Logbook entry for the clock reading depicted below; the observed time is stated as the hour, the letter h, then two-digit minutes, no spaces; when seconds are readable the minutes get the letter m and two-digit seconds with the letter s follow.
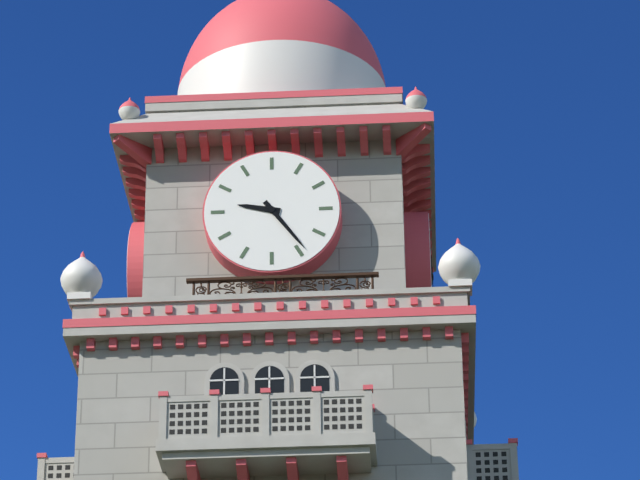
9h24
